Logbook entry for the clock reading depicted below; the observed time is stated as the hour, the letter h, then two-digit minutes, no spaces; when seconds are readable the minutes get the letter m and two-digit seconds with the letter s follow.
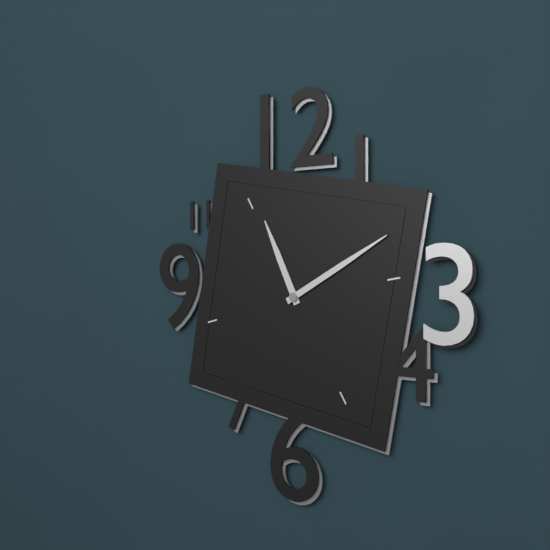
11h10
